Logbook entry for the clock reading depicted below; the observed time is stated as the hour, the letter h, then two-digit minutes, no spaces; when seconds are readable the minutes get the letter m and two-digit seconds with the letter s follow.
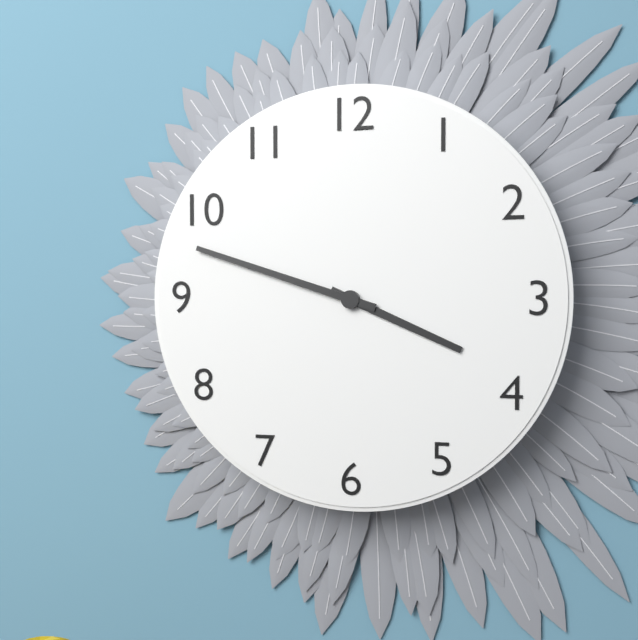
3h48
